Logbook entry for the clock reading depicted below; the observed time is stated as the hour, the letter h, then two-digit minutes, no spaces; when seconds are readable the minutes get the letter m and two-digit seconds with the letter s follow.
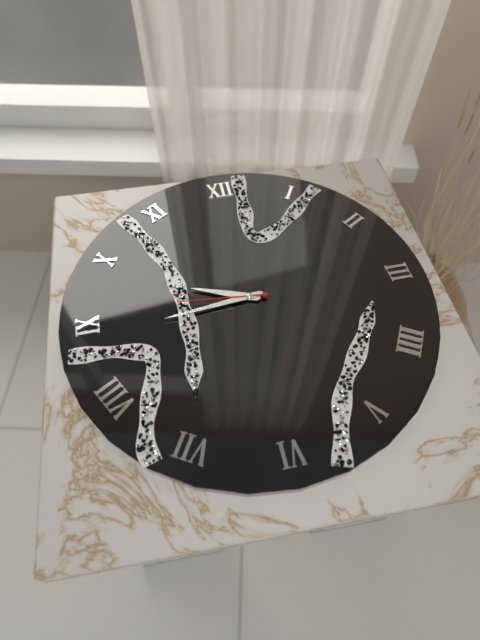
9h44m46s
